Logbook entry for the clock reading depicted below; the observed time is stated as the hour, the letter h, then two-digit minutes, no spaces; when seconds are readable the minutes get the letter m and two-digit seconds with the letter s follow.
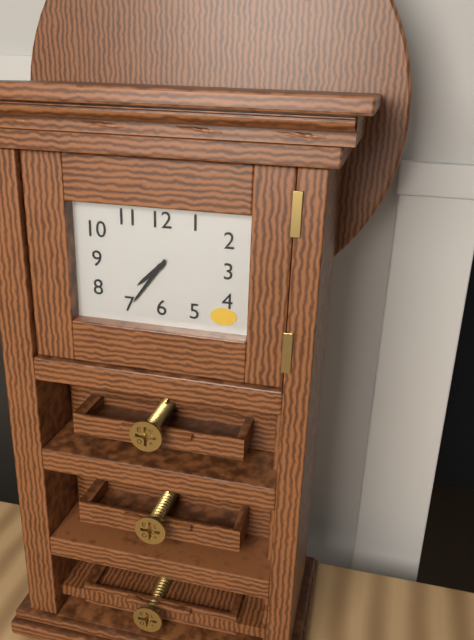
7h36
